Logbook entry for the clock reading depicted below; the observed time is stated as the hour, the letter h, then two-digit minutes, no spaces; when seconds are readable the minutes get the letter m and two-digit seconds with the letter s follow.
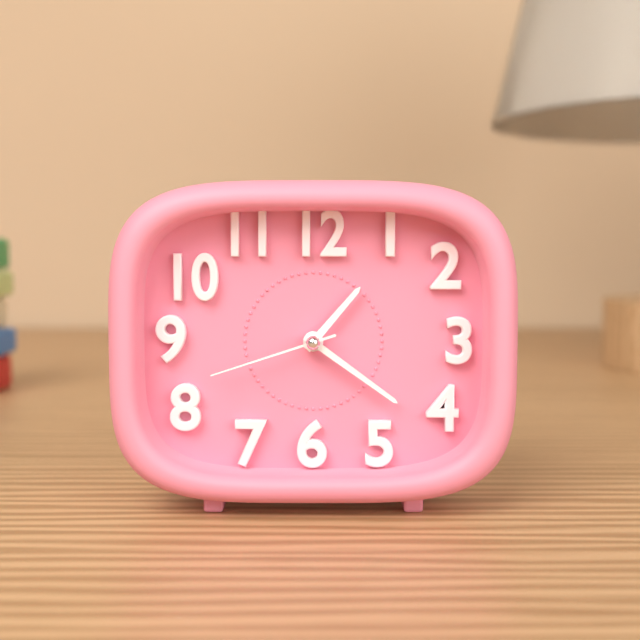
1h21m42s
